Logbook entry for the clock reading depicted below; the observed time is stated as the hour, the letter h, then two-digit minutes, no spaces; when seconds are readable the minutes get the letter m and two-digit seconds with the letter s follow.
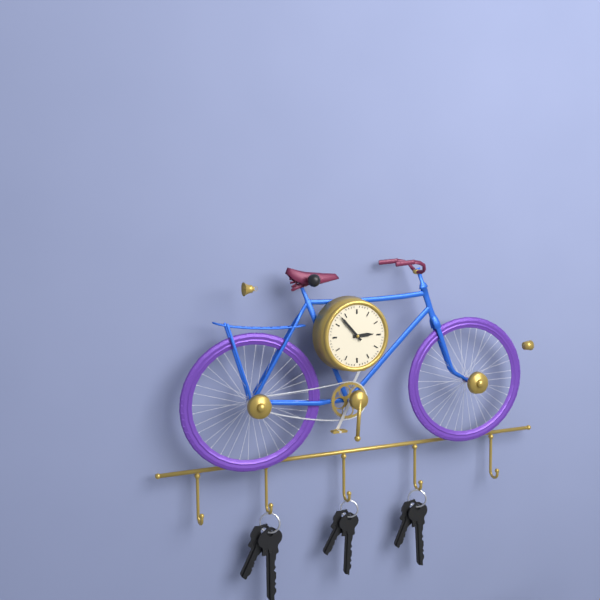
2h53
